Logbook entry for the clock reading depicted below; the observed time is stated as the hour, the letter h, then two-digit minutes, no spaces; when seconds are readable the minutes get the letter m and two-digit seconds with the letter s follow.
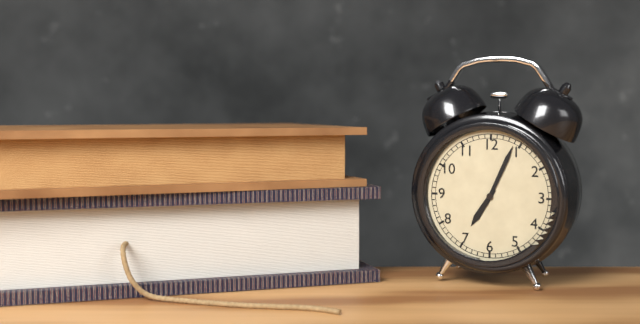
7h04
